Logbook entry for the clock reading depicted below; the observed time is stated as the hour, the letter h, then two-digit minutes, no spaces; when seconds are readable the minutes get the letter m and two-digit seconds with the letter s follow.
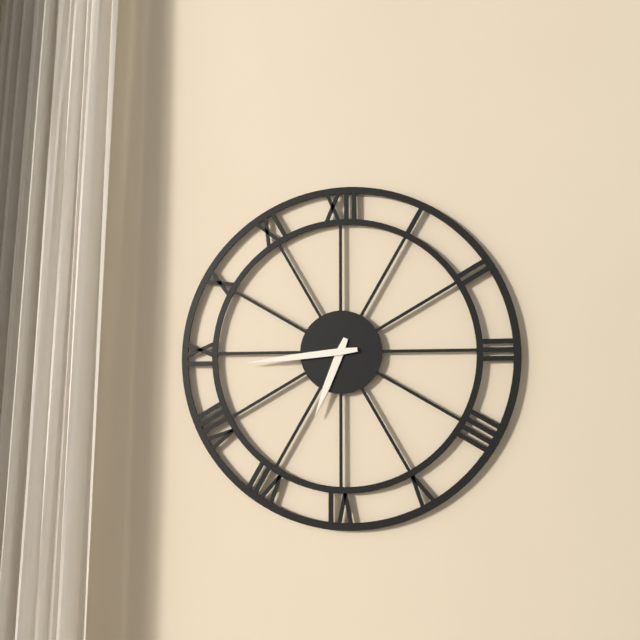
6h44
